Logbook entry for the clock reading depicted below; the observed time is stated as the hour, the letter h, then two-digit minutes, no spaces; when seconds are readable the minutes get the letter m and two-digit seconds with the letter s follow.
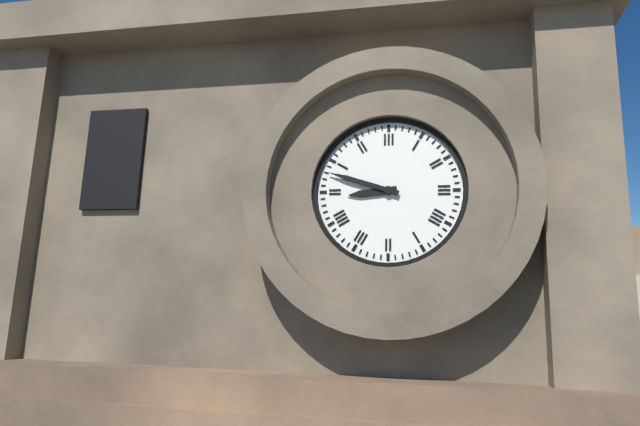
8h48
